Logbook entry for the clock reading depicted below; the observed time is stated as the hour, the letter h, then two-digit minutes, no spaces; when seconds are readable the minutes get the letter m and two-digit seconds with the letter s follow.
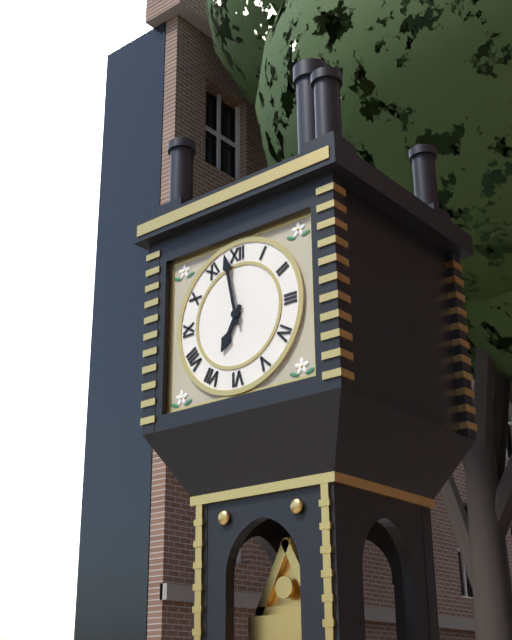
6h58
